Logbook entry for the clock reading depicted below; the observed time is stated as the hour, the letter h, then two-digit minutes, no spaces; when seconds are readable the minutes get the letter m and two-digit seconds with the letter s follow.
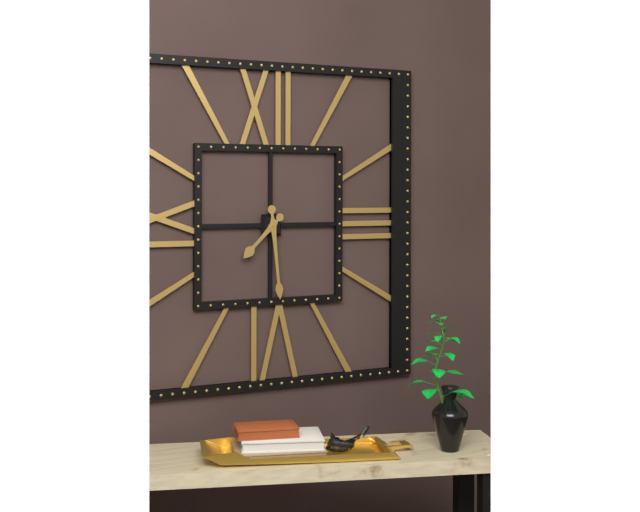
7h29
